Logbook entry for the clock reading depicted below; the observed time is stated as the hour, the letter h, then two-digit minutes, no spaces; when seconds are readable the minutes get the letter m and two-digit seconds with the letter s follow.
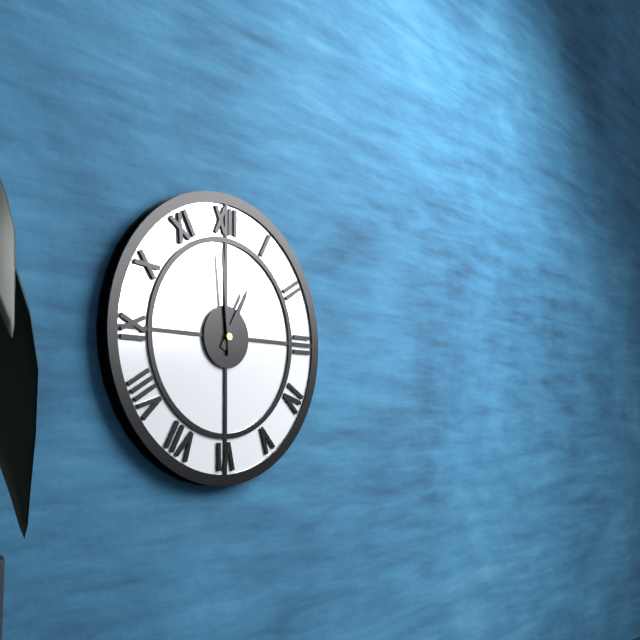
12h59
